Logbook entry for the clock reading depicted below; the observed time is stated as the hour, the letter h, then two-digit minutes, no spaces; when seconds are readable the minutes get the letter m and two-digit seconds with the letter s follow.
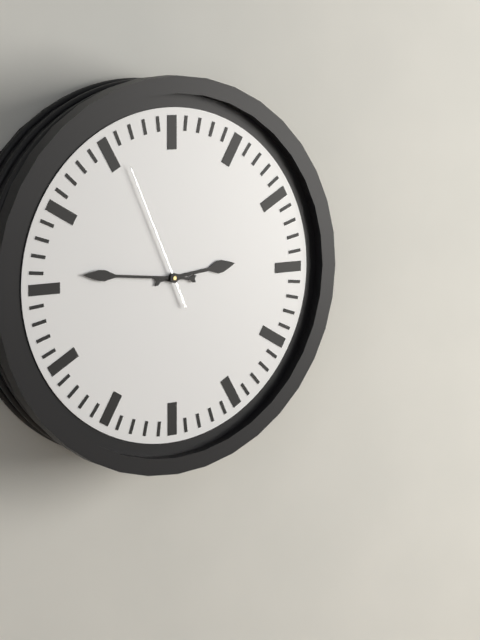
2h46m56s
